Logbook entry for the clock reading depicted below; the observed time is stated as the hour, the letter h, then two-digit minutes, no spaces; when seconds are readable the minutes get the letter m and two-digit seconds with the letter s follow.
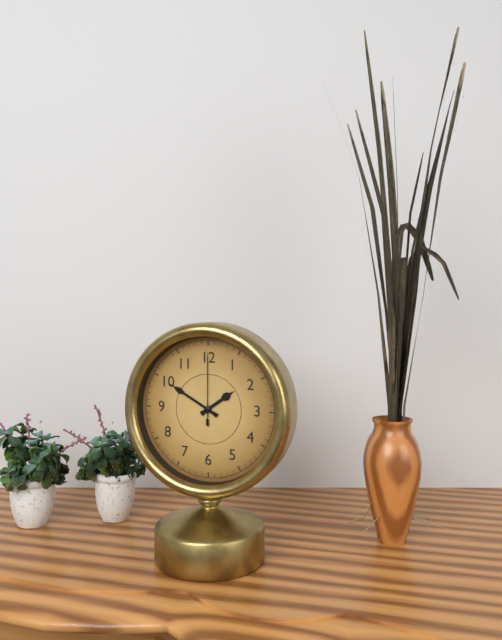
1h50m00s
